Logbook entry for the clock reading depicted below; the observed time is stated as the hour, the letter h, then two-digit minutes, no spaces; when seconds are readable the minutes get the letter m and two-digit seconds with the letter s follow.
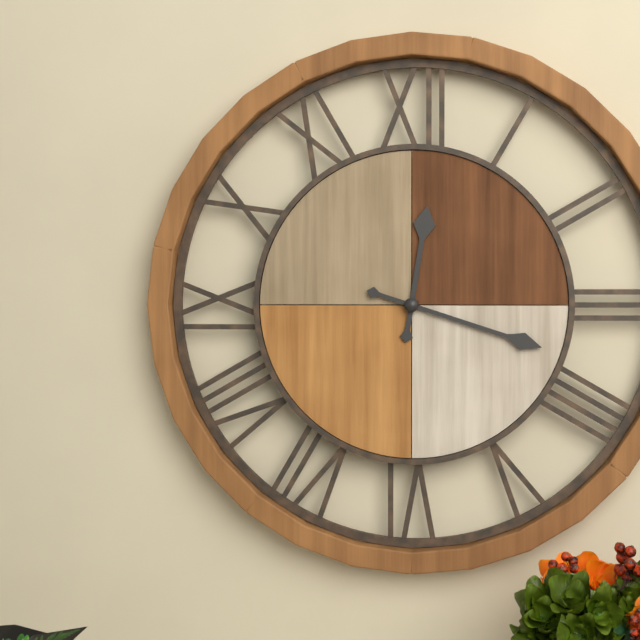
12h18
